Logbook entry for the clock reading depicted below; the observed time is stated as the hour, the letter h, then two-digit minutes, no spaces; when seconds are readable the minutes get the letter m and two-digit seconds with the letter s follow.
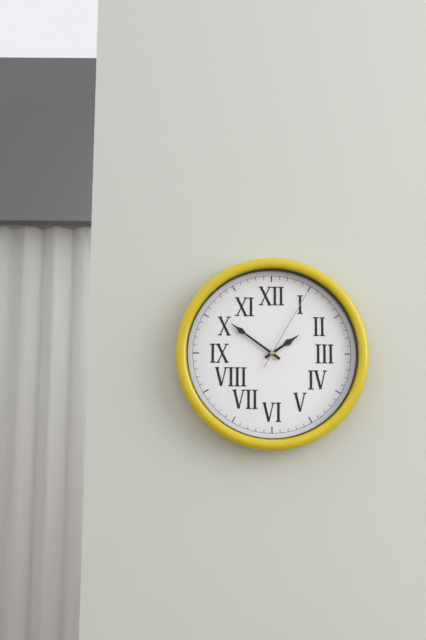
1h51m05s
